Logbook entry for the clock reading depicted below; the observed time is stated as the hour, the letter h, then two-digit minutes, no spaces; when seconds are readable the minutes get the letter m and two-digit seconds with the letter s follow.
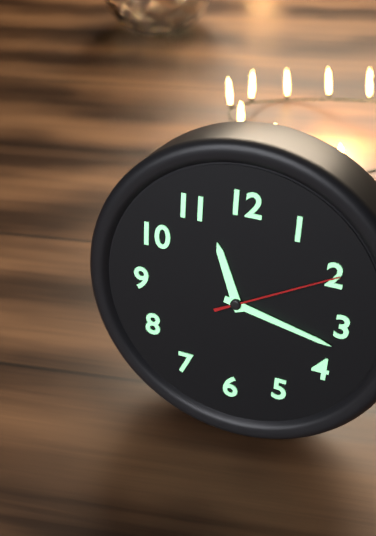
11h17m10s
